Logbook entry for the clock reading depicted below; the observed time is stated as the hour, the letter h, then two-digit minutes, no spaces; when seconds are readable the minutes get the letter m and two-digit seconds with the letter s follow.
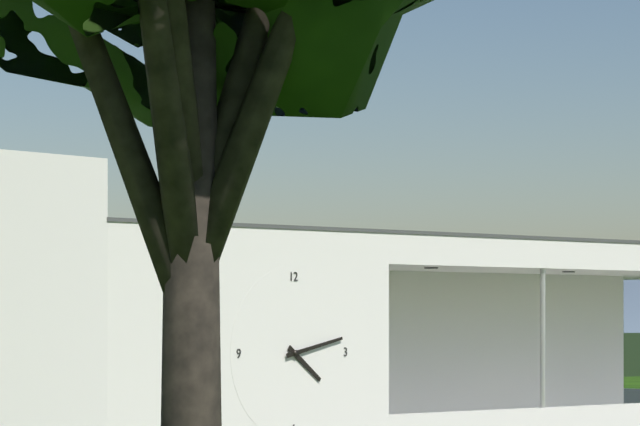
4h13
